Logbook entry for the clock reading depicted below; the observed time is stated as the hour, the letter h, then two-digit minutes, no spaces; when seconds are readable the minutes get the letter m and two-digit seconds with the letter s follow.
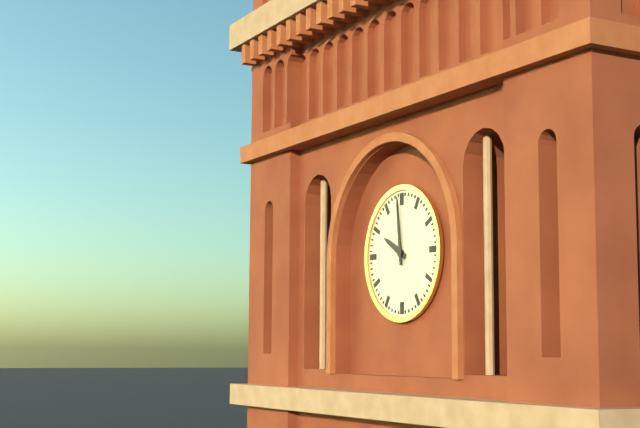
9h59
